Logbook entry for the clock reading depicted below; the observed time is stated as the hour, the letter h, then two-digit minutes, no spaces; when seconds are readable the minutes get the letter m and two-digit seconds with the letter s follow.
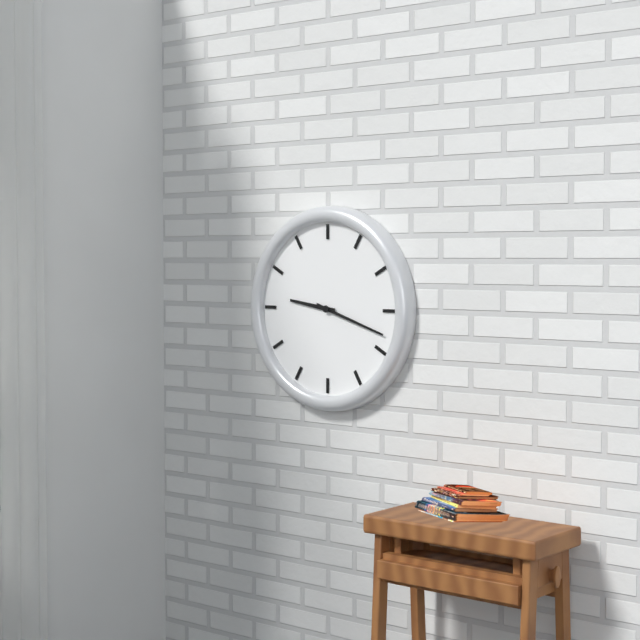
9h18
